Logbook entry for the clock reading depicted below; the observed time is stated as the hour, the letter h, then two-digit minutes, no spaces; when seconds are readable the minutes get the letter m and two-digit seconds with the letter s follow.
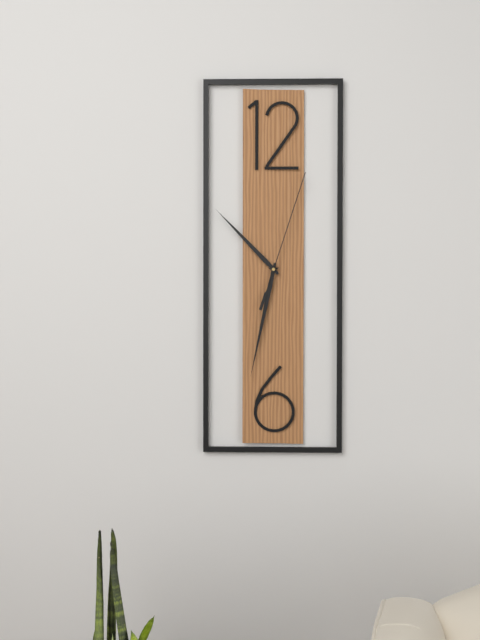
10h32m03s
